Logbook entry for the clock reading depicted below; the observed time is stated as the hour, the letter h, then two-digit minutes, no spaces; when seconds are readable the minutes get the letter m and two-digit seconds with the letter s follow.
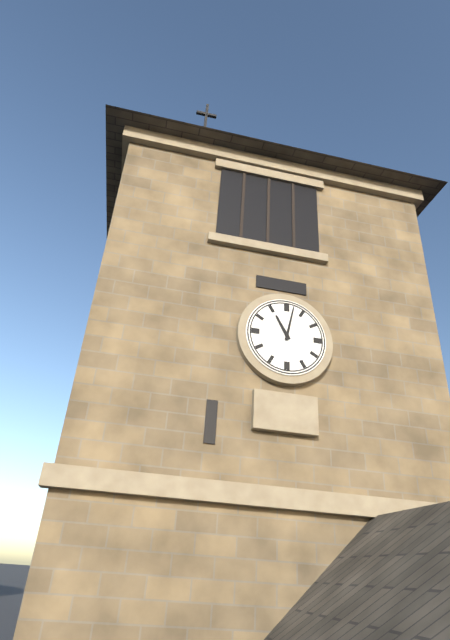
11h02
